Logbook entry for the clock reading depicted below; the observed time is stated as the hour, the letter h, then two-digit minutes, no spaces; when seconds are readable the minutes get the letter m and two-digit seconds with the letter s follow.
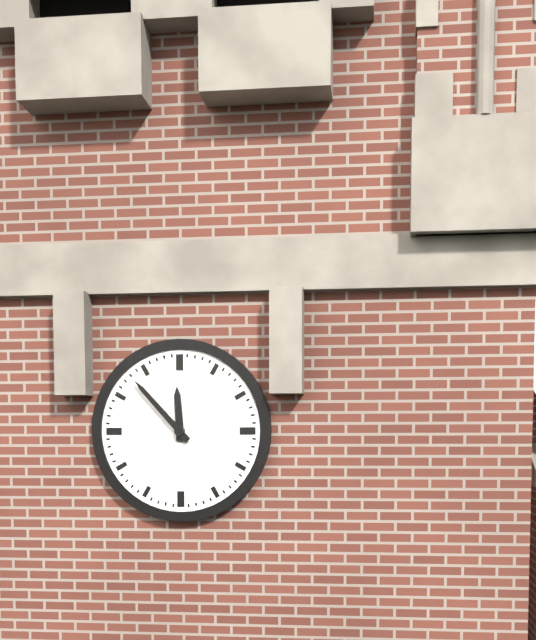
11h53
